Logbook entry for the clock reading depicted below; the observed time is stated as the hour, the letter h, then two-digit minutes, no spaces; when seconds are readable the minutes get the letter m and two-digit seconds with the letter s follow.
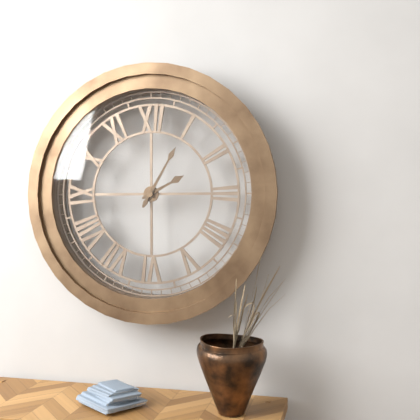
2h05
